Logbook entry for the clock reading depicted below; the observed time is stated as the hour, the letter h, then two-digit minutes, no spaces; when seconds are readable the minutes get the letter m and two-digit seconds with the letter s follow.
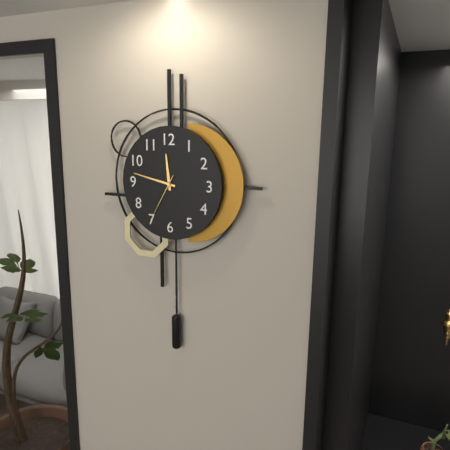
11h47m35s
